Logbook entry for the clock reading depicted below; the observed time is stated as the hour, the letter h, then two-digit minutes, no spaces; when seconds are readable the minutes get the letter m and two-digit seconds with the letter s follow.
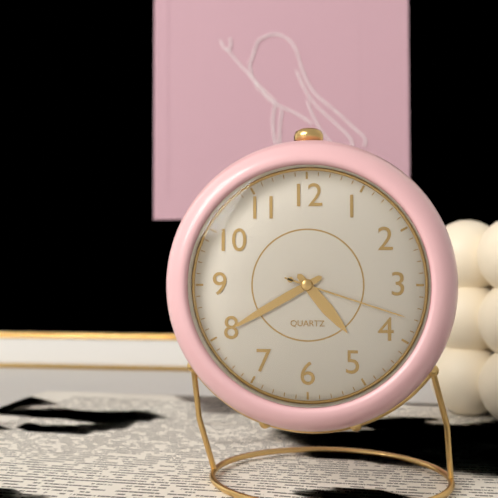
4h40m18s
